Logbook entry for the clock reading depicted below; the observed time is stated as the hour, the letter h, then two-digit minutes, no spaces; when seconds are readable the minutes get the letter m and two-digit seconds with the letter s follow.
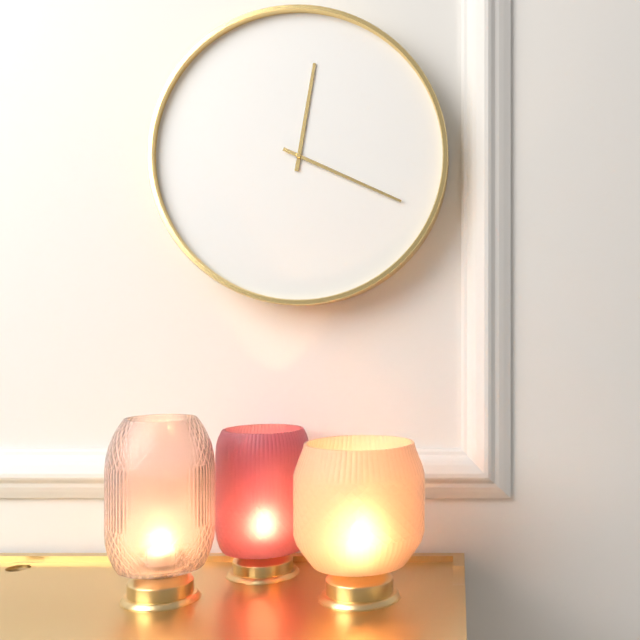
12h19
